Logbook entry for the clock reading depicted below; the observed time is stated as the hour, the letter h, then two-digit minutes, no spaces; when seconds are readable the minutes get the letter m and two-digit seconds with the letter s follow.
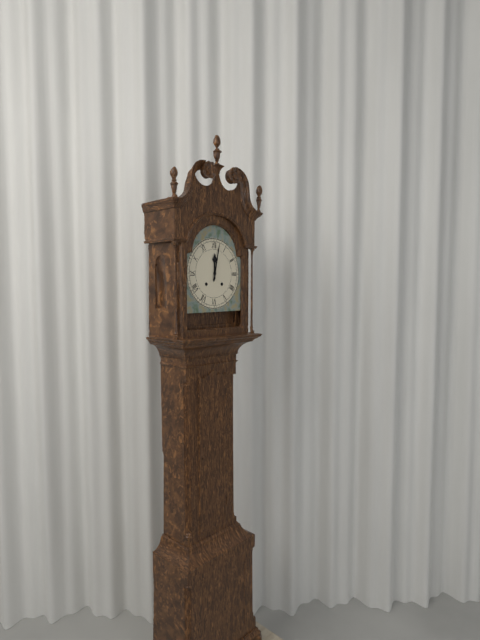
12h02
